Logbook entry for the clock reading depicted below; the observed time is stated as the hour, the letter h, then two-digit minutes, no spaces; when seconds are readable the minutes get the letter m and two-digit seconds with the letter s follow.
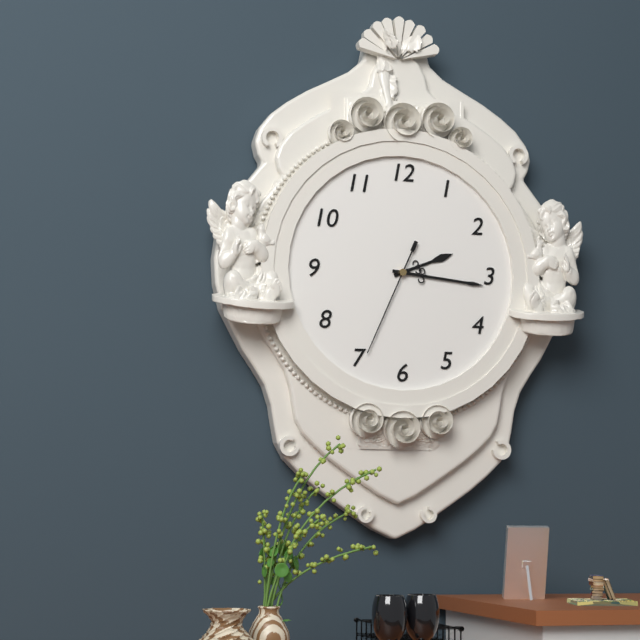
2h16m34s
